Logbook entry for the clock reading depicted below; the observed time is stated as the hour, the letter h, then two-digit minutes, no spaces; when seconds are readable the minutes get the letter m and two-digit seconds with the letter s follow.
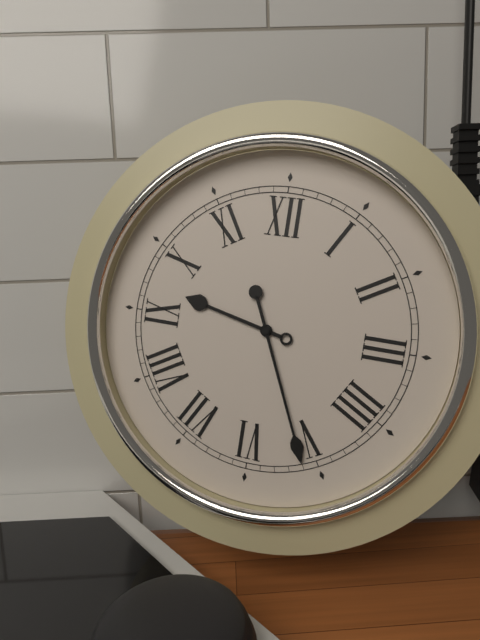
9h26
